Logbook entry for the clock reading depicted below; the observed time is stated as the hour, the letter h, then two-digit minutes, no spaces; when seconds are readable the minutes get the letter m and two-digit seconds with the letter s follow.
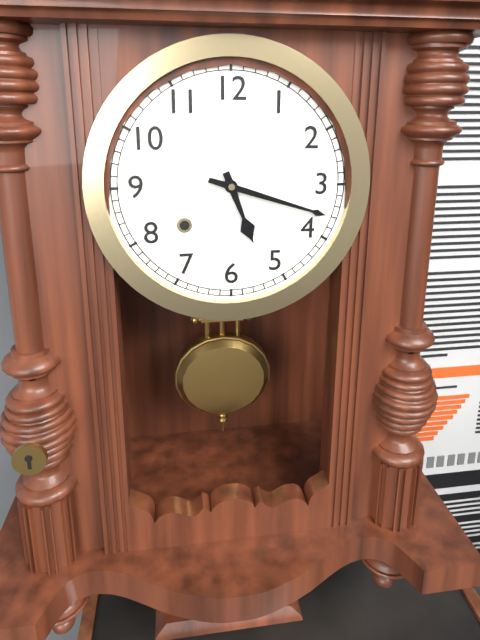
5h18
